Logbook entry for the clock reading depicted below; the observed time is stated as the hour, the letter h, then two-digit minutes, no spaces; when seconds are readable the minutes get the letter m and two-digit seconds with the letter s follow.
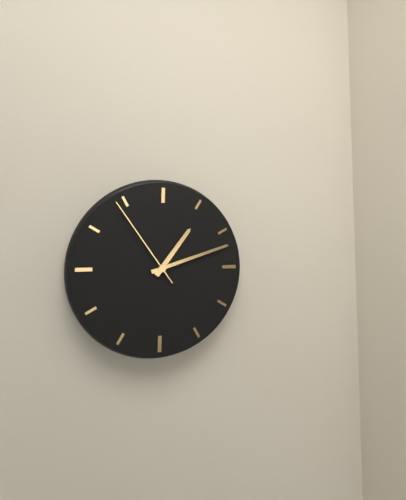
1h12m54s
